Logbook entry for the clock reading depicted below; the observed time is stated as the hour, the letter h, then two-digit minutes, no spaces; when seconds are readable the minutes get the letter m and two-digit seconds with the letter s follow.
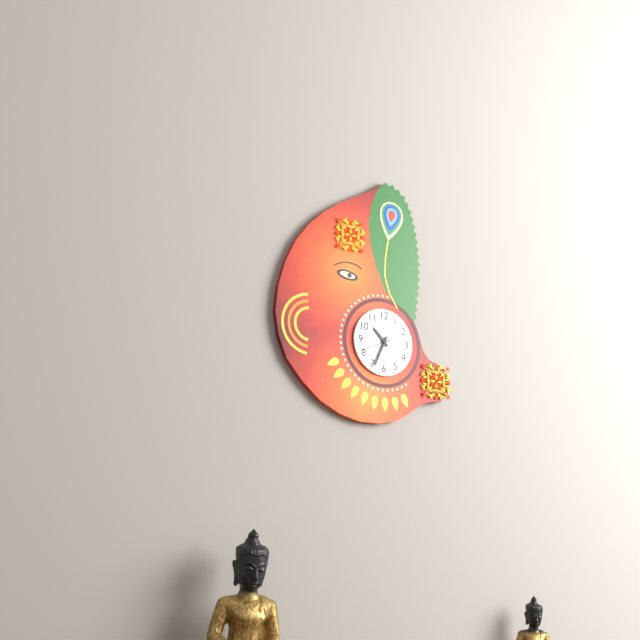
10h34
